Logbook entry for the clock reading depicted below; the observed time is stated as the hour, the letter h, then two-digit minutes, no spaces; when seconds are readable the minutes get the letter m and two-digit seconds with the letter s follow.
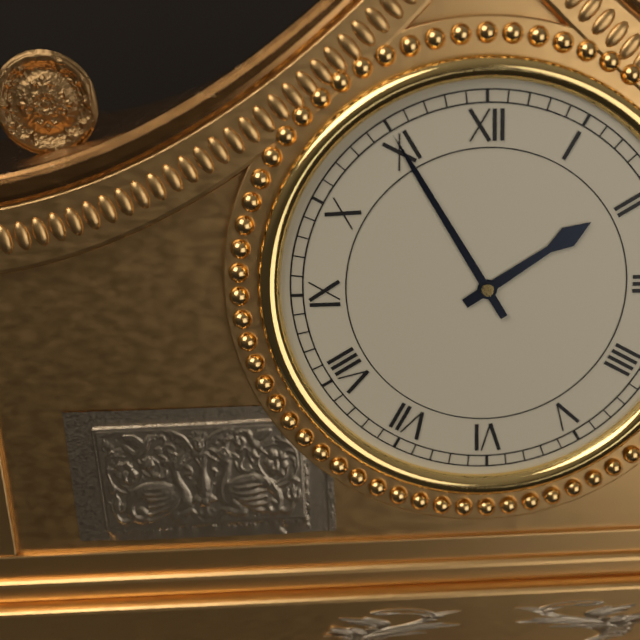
1h55
